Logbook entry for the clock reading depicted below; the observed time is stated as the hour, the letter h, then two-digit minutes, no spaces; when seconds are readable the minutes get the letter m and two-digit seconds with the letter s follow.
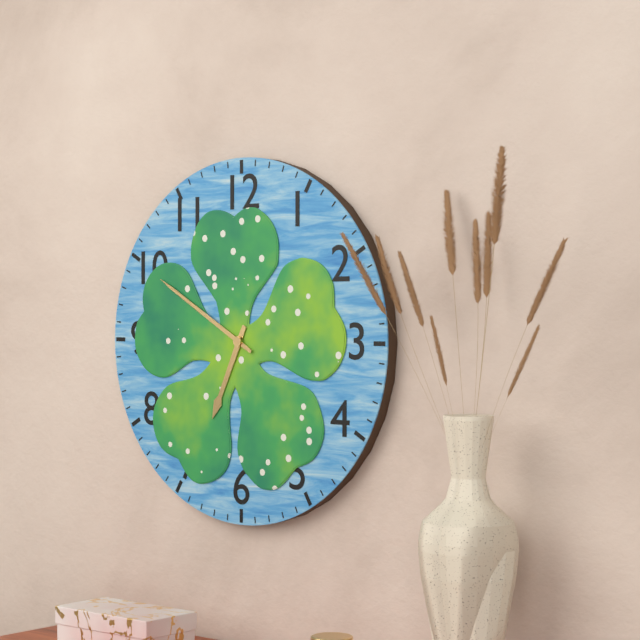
6h50
